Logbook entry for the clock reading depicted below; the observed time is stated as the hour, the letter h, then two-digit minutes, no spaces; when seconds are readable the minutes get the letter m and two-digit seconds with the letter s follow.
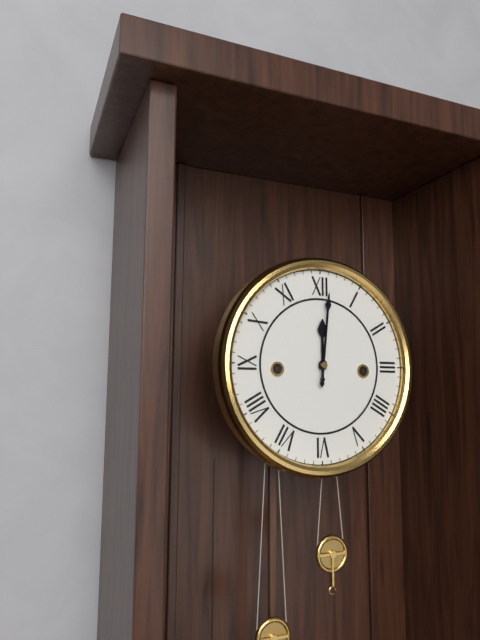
12h01
